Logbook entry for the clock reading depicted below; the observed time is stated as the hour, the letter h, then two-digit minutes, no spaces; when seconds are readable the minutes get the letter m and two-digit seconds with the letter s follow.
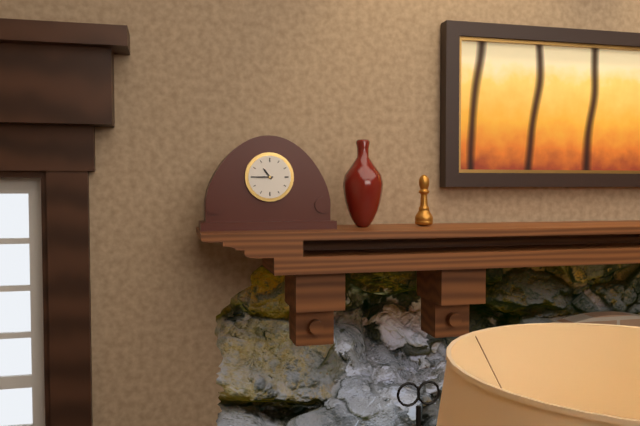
10h45
